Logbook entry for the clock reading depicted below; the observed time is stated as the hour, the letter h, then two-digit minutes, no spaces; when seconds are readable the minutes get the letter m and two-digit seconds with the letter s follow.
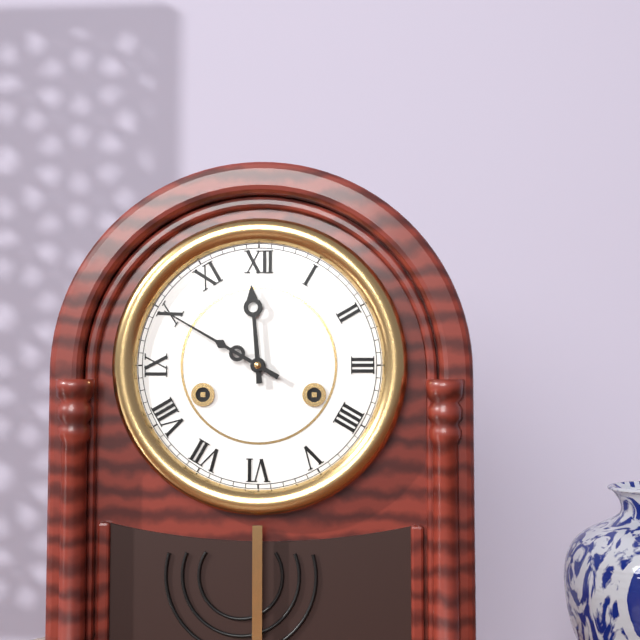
11h50
